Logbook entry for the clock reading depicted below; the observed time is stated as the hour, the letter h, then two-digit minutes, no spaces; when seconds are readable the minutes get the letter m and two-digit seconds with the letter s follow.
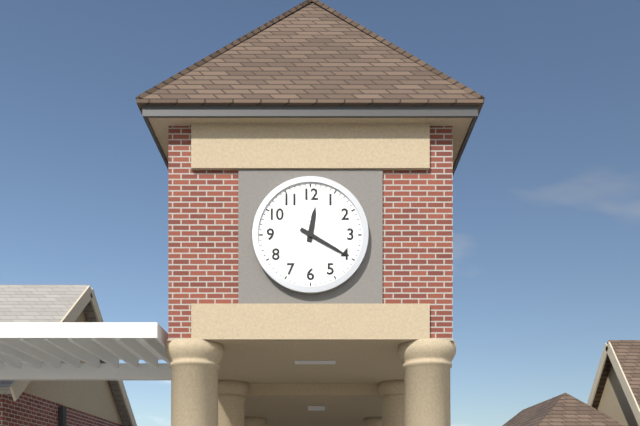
12h20
